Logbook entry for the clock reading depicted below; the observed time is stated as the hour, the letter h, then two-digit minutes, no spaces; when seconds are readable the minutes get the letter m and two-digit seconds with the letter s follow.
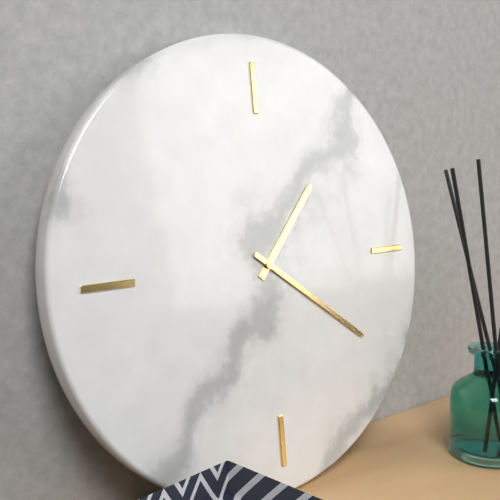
1h21
